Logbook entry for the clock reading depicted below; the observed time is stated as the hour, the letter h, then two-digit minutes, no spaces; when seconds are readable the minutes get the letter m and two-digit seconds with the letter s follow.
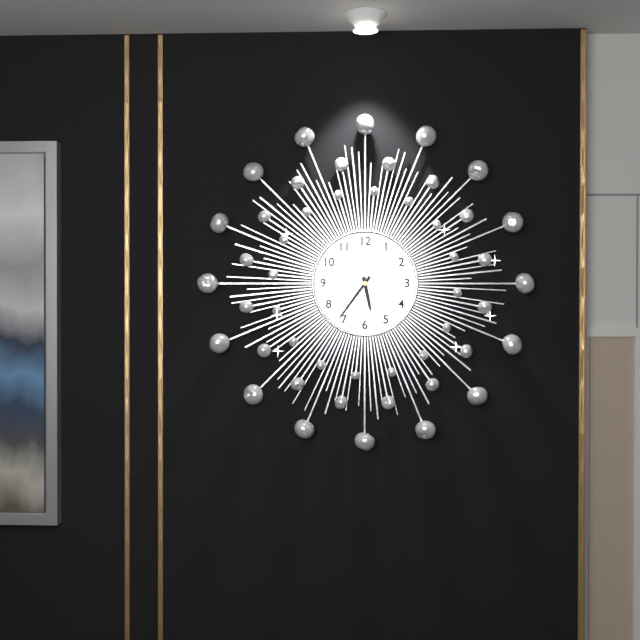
5h36
